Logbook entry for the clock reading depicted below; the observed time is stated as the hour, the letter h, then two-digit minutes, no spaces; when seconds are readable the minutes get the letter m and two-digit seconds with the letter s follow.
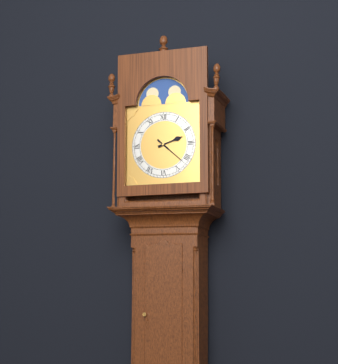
2h22
